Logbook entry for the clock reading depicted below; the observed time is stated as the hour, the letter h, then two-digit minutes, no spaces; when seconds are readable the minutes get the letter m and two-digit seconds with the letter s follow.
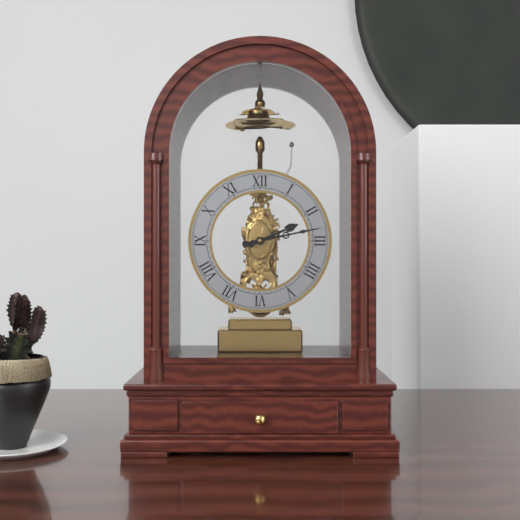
2h13
